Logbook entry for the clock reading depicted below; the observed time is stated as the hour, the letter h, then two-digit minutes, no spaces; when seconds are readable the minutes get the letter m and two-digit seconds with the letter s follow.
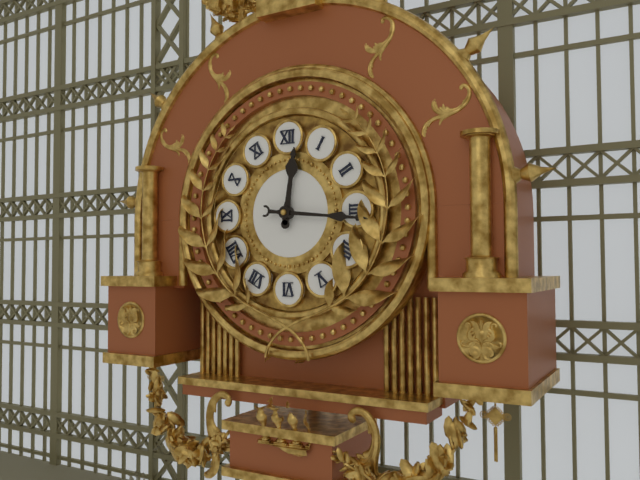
12h16
